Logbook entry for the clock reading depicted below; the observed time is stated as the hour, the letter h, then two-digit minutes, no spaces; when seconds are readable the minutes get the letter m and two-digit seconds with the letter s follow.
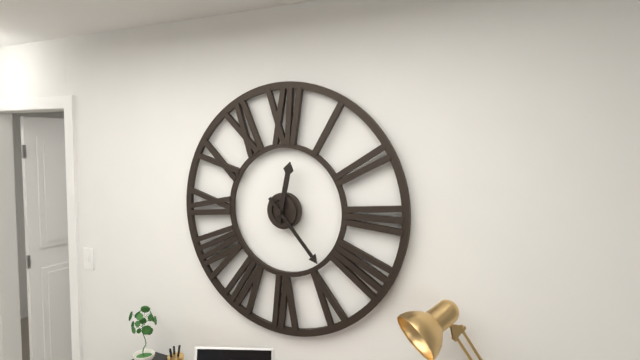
12h23
